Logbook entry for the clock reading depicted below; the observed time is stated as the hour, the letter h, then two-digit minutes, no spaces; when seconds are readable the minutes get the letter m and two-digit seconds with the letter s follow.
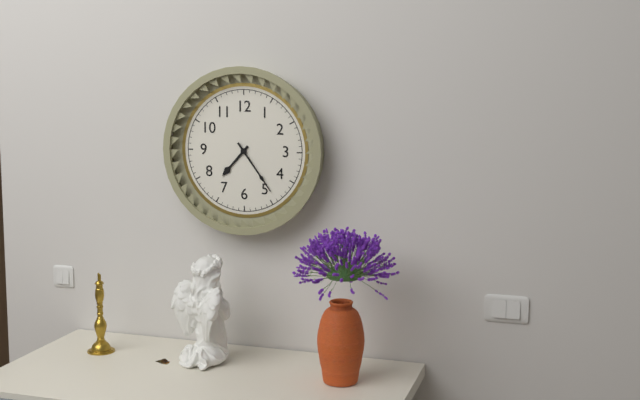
7h24
